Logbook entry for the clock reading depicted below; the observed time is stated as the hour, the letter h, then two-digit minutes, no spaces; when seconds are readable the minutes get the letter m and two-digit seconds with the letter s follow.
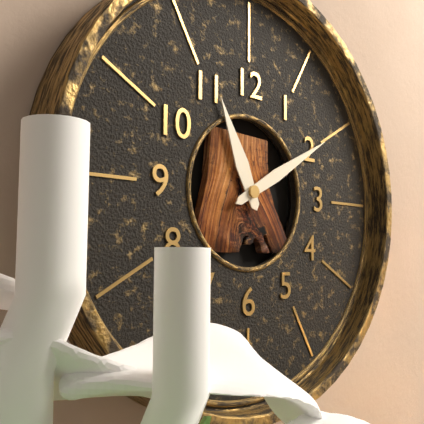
11h10
